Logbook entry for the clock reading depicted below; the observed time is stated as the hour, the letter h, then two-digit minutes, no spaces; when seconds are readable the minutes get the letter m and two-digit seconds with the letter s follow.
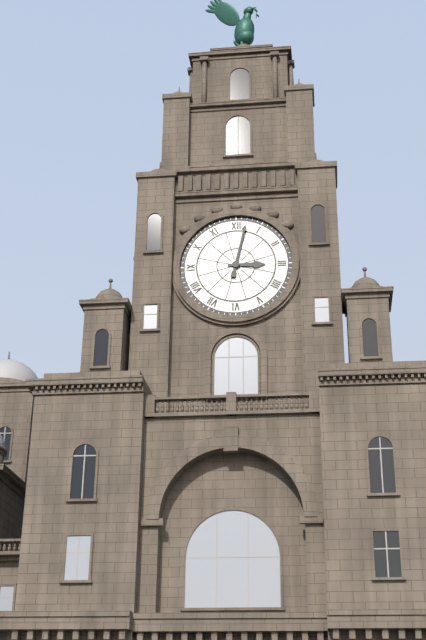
3h02
